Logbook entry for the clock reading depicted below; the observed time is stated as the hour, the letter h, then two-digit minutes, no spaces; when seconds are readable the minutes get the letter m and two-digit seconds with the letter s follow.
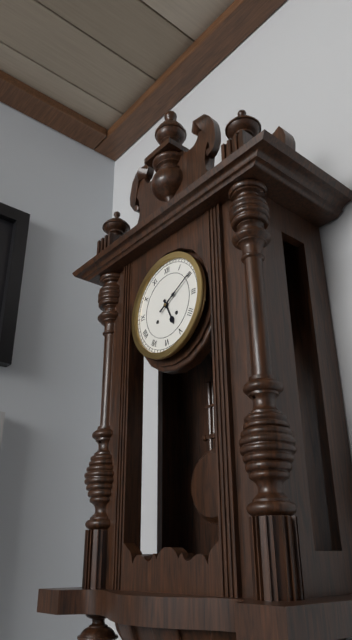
5h10
